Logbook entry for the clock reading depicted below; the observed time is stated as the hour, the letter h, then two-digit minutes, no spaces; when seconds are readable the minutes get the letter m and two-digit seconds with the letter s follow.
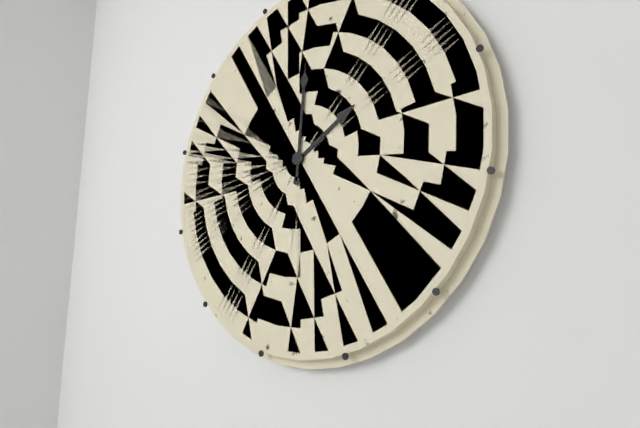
2h01
